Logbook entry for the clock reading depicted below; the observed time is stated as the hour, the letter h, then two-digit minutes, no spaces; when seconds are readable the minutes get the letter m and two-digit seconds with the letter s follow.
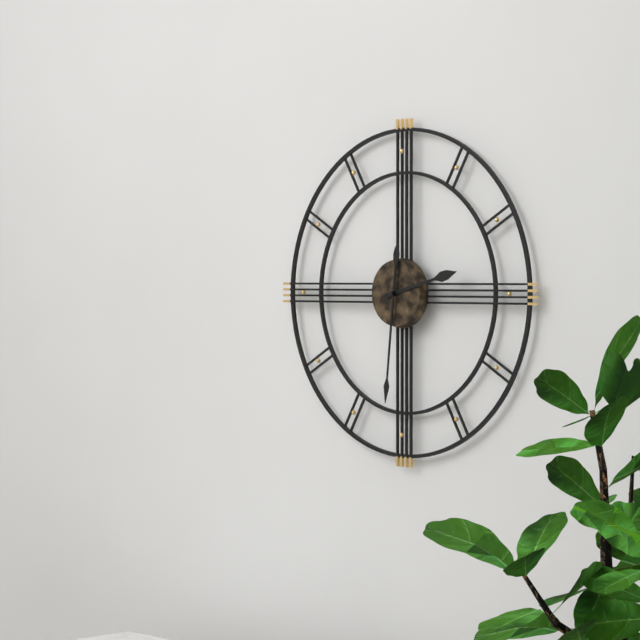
2h31
